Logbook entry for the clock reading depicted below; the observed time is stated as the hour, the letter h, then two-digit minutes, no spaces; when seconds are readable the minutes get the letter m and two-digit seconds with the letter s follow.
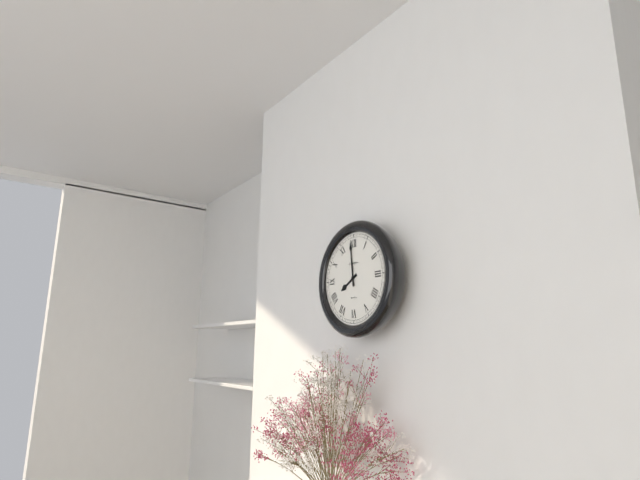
7h59
